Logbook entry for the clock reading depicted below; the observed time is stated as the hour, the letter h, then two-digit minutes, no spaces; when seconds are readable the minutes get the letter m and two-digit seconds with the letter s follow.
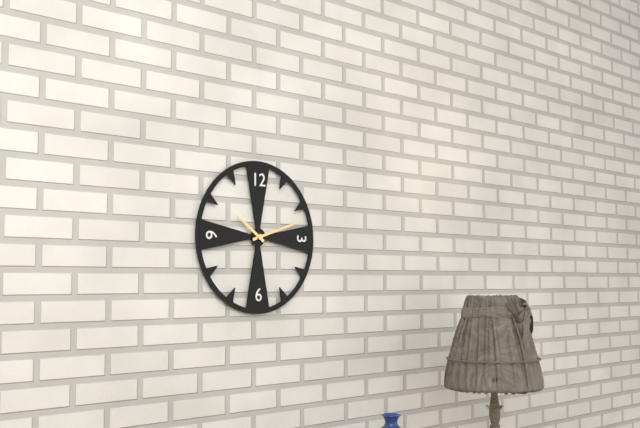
10h12
